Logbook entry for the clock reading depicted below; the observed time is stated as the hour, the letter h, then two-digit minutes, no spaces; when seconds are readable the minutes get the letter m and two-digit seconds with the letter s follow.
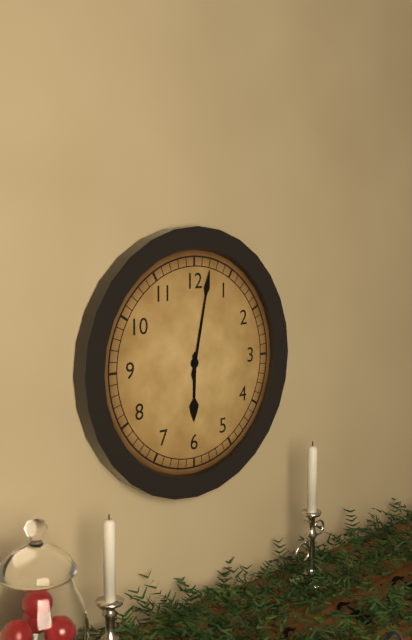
6h02
